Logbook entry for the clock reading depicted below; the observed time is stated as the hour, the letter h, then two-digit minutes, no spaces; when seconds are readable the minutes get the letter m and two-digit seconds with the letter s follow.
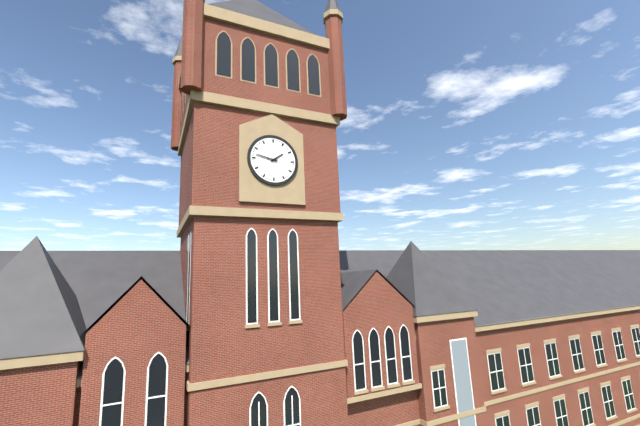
1h47
